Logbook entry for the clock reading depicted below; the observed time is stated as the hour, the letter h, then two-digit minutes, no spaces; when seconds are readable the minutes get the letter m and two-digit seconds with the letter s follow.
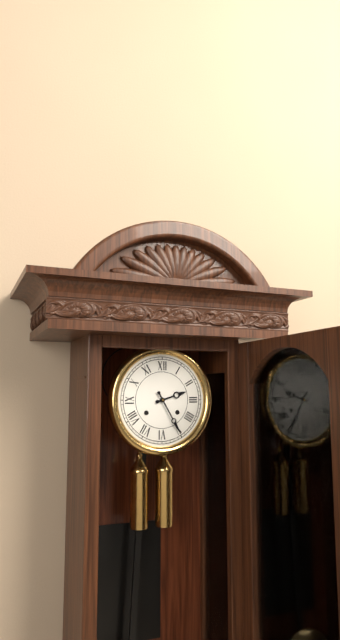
2h25
